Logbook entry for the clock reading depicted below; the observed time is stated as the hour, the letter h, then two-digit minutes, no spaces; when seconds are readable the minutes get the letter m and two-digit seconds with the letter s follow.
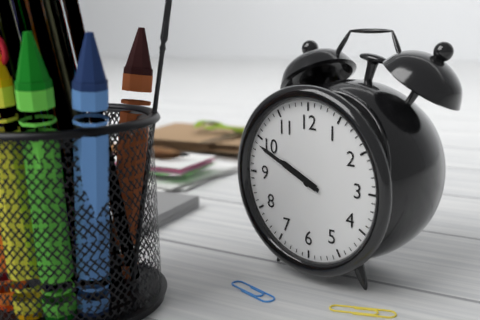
9h49
